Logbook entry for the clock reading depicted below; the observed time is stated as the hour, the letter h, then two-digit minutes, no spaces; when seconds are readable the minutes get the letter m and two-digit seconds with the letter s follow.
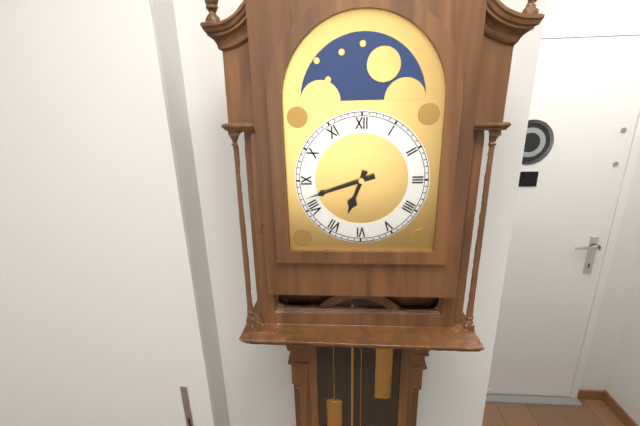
6h42
